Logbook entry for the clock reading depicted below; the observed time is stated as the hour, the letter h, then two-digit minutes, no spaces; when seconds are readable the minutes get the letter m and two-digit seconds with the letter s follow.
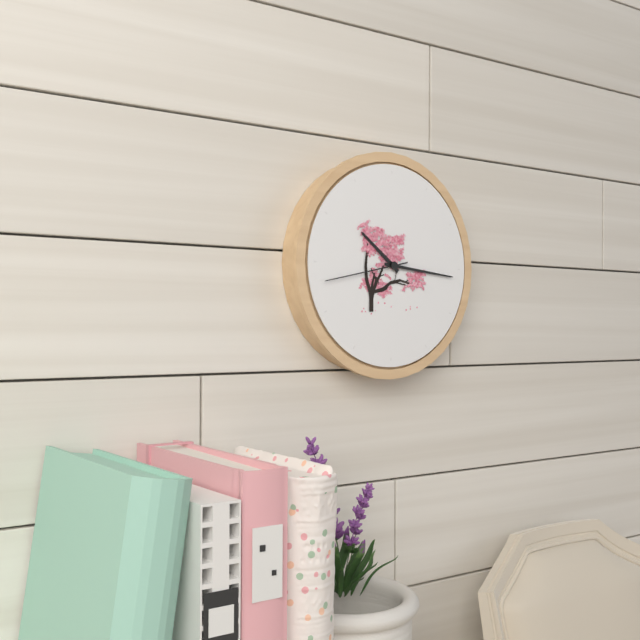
10h16m43s
